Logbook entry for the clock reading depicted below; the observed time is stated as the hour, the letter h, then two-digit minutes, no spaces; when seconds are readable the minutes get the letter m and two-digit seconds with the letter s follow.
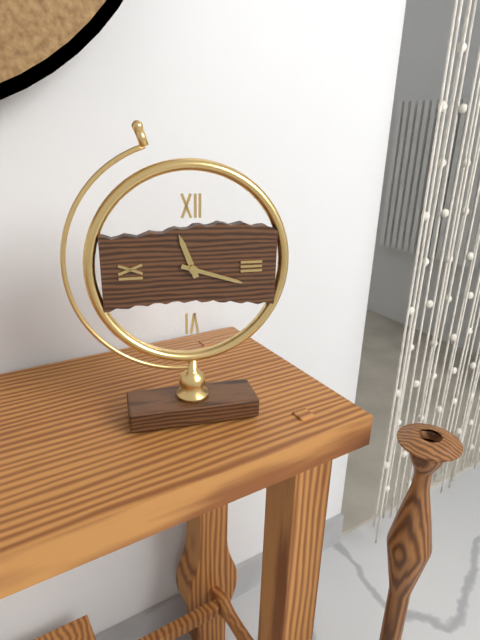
11h18
